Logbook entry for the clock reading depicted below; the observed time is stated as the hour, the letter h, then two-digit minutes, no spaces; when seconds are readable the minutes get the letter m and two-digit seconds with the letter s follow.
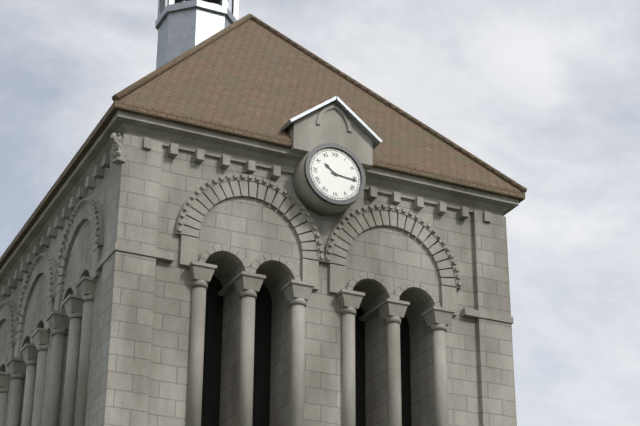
10h16
